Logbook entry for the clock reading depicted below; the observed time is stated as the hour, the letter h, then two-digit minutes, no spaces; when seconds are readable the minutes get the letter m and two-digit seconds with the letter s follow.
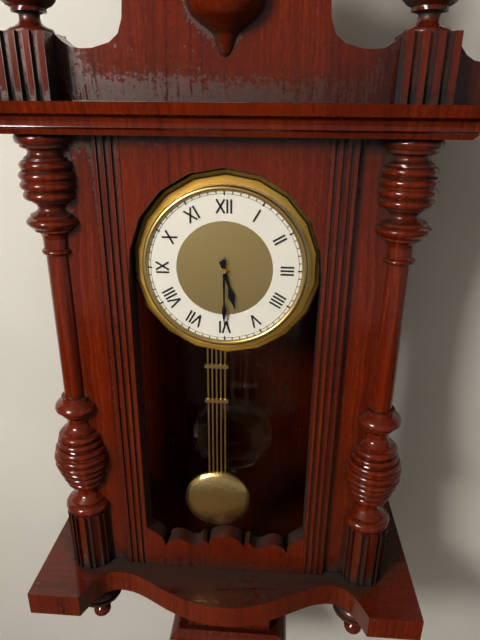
5h30
